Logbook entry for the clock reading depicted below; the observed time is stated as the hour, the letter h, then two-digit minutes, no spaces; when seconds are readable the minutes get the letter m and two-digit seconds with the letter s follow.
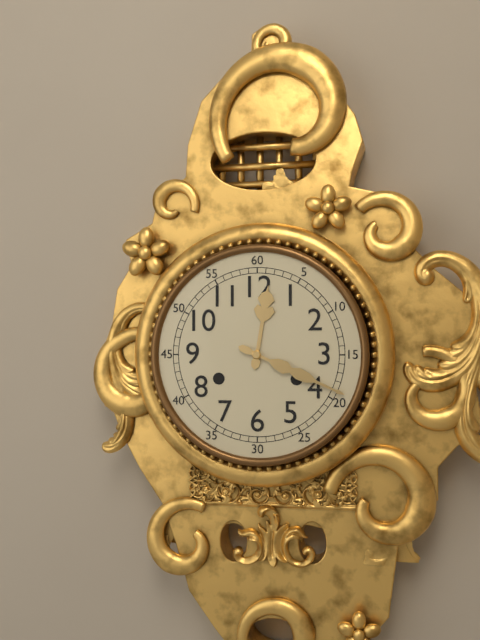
12h19
